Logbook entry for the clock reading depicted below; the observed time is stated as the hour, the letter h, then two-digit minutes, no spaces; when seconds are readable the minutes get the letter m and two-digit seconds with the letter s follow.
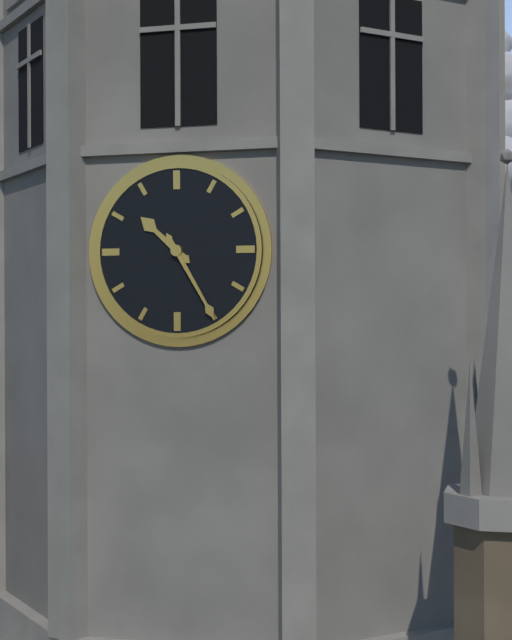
10h25
